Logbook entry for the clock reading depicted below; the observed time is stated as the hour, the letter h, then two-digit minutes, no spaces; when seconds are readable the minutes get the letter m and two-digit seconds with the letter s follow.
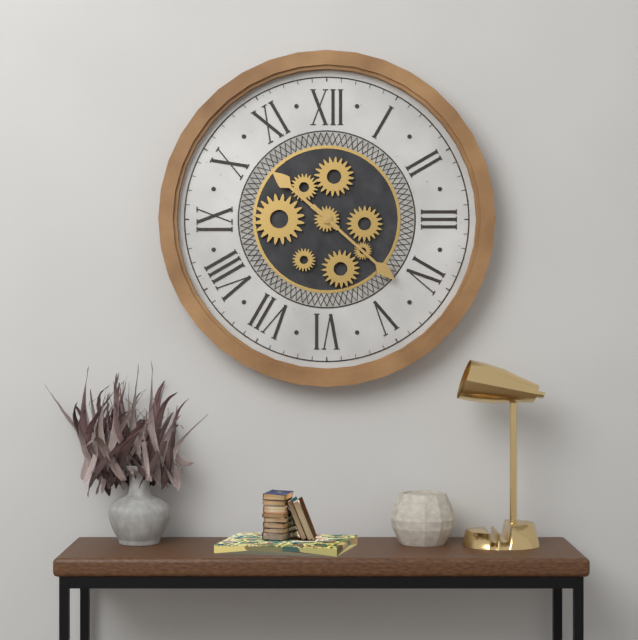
10h22
